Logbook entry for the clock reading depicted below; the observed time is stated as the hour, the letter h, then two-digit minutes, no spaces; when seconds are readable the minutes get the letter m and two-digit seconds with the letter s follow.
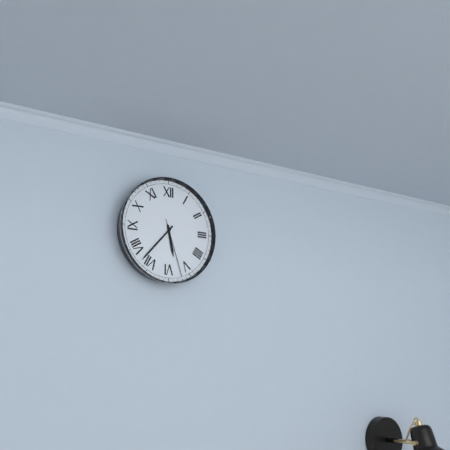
5h37m27s
